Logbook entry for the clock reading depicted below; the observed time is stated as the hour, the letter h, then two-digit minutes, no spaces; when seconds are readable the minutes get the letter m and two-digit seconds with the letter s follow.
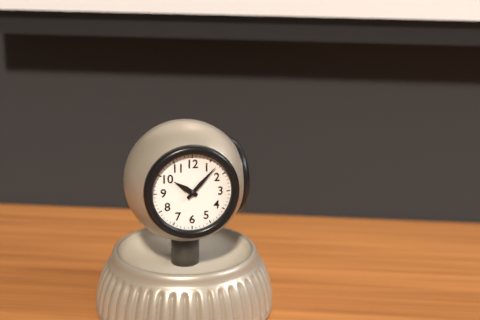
10h07
